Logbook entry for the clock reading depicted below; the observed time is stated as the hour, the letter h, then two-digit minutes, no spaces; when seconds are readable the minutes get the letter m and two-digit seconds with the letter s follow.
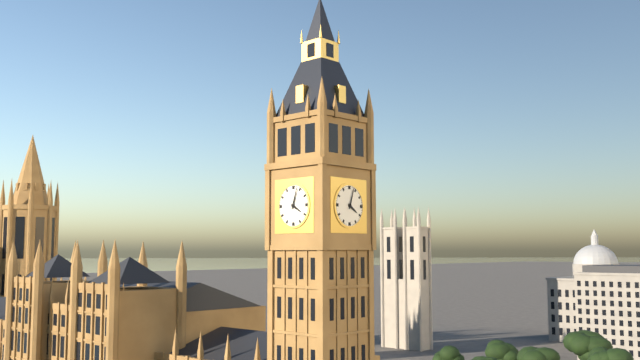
4h03
